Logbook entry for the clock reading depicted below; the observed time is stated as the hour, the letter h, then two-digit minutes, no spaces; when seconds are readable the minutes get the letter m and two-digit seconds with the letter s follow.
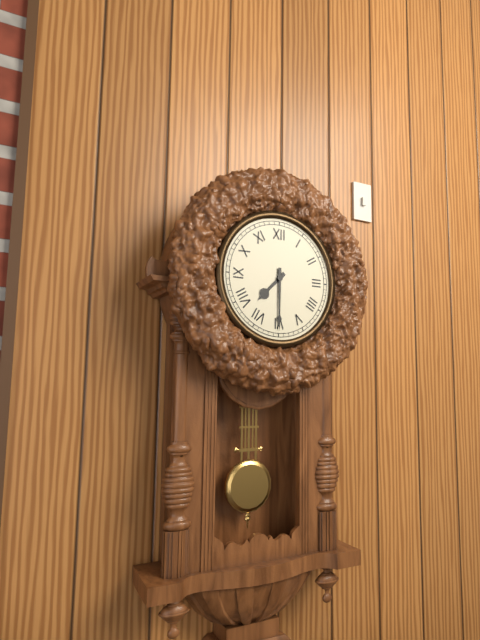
7h30
